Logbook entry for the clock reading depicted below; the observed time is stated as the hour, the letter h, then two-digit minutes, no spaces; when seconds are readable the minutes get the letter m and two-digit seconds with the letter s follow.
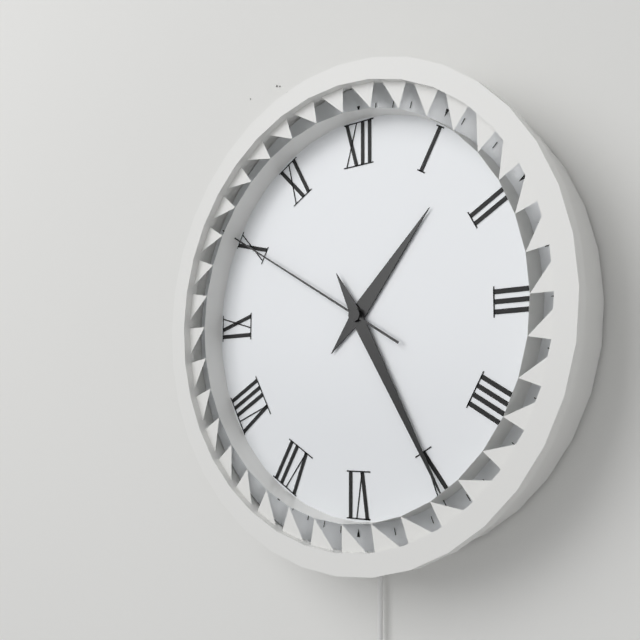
1h25m50s
